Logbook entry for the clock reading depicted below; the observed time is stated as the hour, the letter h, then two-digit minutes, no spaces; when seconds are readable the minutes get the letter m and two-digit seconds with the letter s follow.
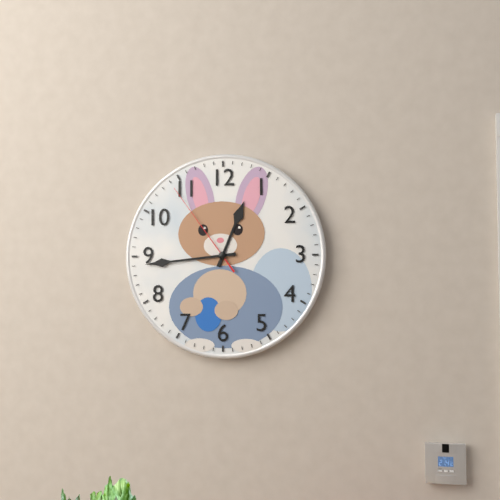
12h44m54s
